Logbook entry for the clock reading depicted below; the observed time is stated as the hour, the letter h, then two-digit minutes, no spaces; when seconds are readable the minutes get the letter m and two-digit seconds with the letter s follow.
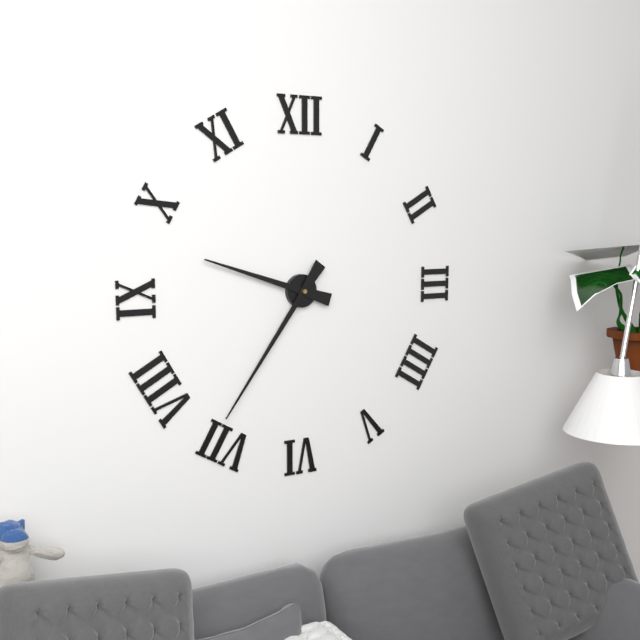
9h36
